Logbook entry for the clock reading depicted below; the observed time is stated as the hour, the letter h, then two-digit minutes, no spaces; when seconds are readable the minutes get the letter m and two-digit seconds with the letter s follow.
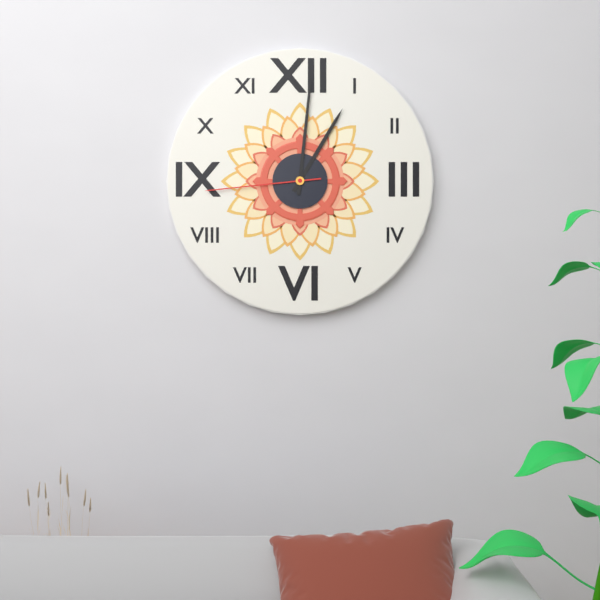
1h01m44s
